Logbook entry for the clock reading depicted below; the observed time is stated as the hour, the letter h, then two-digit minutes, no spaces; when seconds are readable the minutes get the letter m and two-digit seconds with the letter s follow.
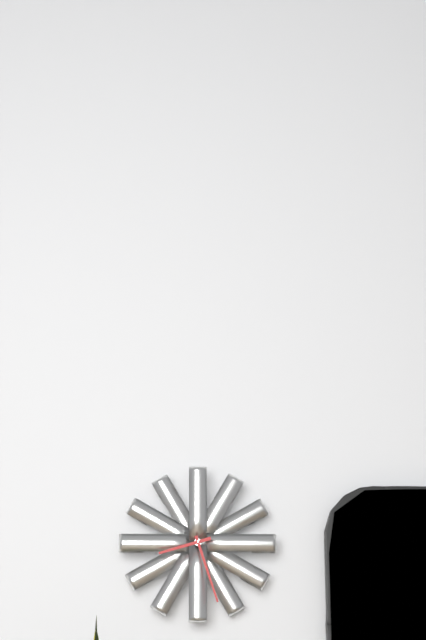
8h27
